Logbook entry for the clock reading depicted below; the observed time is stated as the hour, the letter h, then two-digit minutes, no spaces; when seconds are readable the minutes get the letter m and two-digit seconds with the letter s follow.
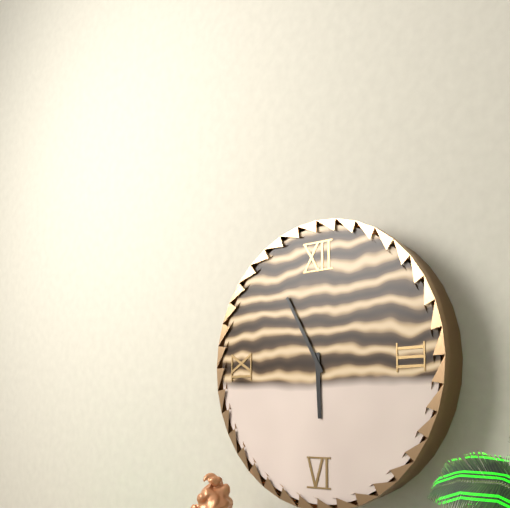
5h55
